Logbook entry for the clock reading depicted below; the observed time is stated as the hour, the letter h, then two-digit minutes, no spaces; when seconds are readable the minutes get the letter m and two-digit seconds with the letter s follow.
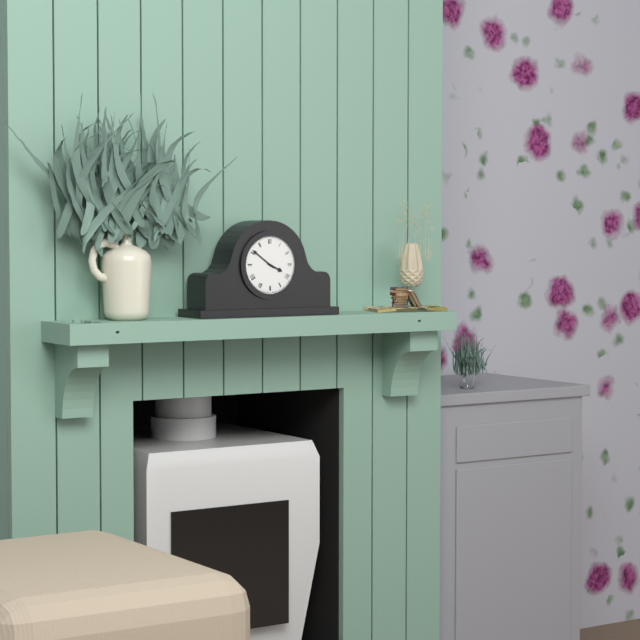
3h51
